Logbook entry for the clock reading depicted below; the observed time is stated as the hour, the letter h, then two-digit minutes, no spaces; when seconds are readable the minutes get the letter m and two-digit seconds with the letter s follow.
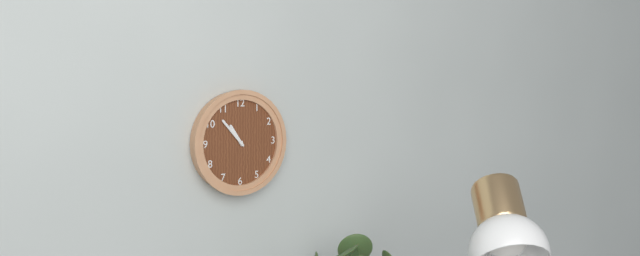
10h53
